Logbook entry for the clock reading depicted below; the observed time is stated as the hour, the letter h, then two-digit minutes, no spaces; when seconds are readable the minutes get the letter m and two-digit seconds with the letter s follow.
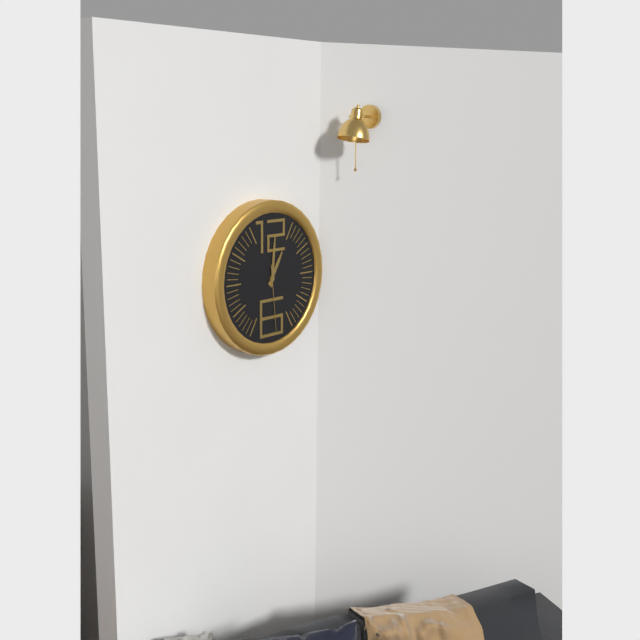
1h01m29s
